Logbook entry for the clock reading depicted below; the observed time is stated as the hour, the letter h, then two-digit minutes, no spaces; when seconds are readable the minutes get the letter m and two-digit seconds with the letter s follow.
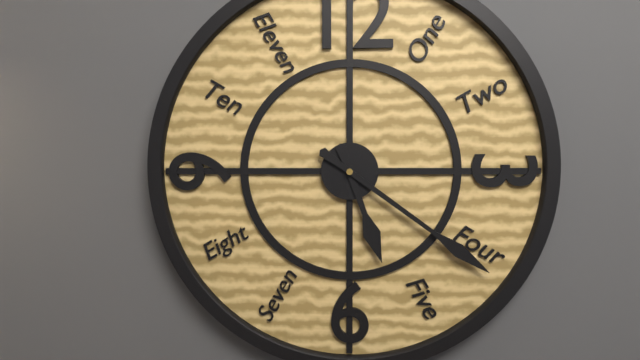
5h21
